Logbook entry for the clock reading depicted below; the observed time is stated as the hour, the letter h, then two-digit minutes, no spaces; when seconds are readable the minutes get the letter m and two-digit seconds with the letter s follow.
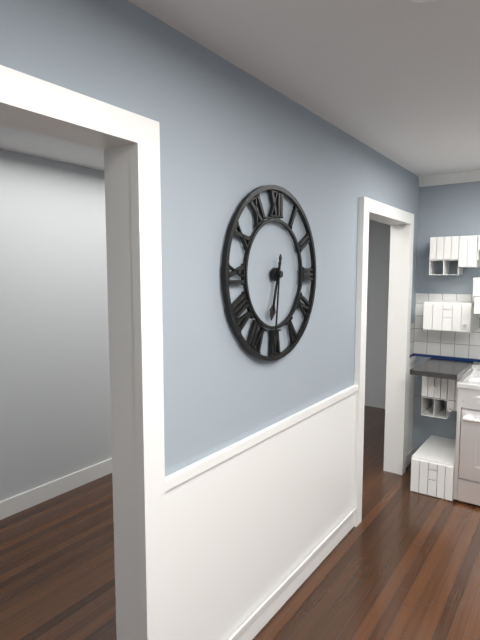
6h31
